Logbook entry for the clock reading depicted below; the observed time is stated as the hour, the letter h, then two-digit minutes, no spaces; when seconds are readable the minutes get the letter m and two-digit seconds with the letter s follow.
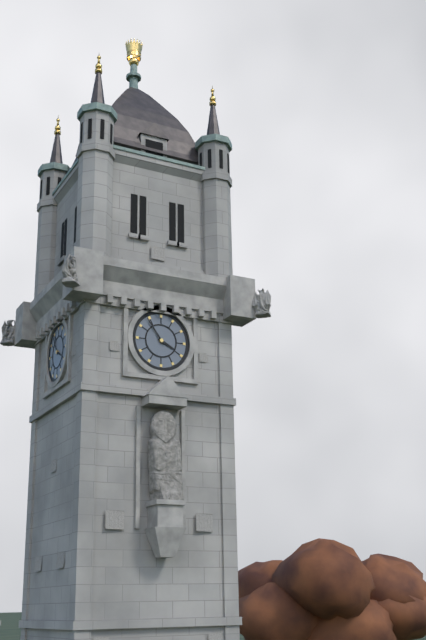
3h54
